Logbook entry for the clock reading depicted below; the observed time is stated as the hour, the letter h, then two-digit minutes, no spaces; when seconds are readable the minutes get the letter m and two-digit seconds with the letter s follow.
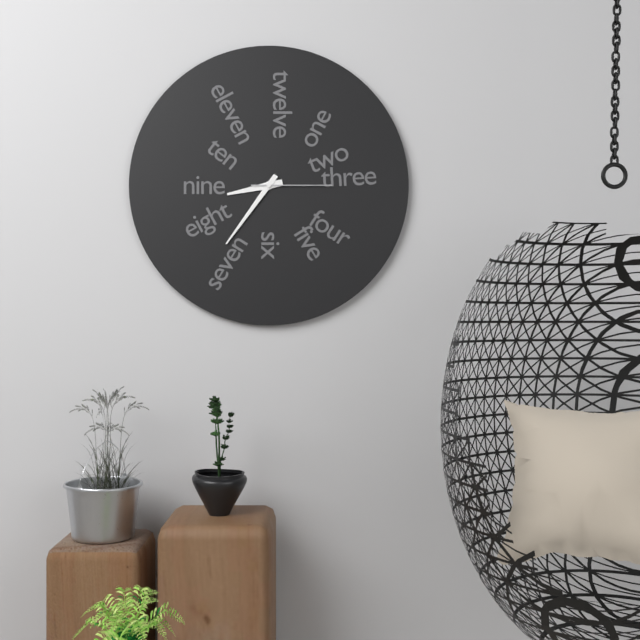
8h36m15s
